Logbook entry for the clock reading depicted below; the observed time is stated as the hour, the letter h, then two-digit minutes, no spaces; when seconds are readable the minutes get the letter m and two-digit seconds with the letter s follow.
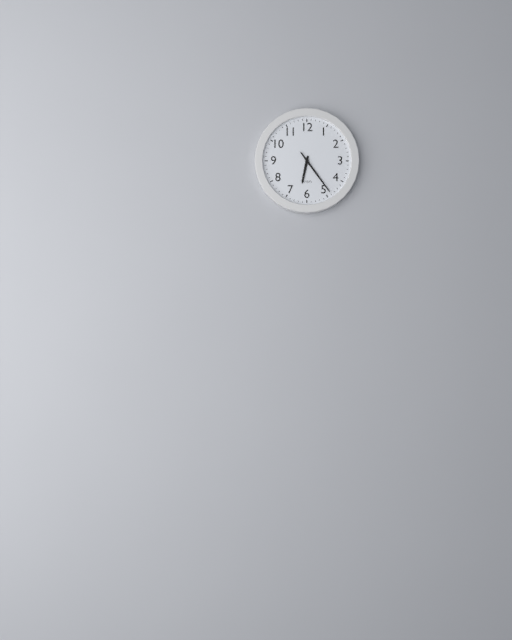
6h24
